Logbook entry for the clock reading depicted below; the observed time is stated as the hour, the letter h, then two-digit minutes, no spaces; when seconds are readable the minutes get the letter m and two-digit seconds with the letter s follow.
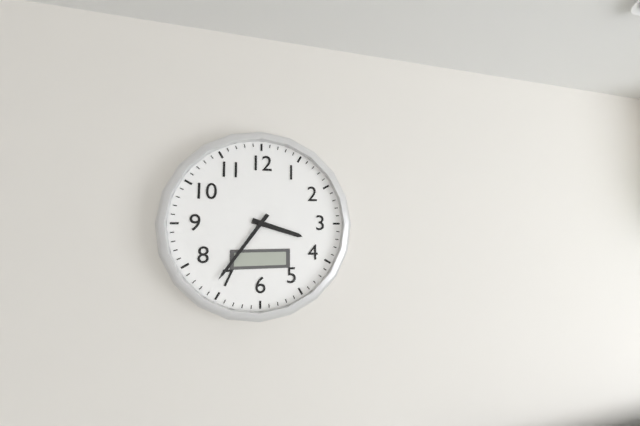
3h36
